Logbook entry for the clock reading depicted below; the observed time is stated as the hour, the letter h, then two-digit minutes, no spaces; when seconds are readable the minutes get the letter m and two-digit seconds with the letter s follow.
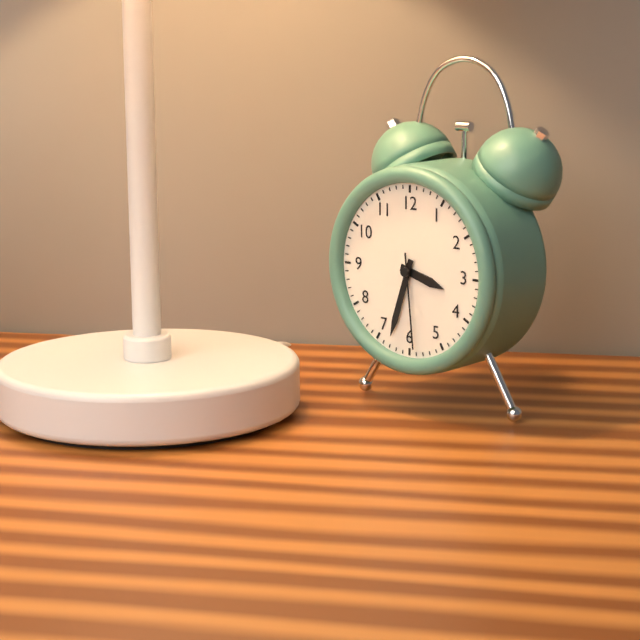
3h33m29s
